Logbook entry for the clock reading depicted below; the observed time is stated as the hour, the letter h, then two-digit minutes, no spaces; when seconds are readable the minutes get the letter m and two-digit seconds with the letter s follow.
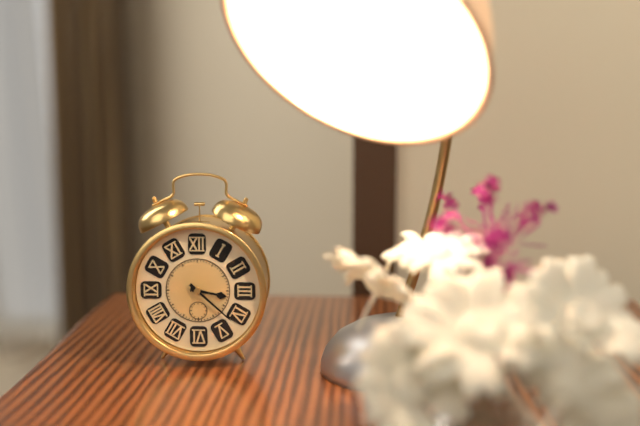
3h22
